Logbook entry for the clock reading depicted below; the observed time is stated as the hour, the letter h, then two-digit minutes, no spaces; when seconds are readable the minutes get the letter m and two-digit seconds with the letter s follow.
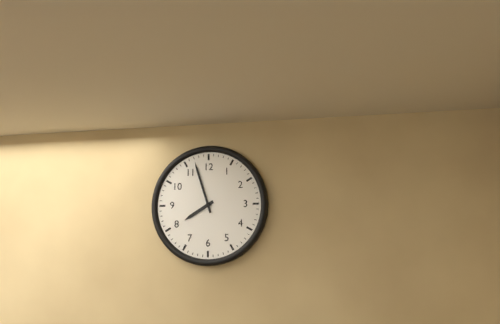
7h57
